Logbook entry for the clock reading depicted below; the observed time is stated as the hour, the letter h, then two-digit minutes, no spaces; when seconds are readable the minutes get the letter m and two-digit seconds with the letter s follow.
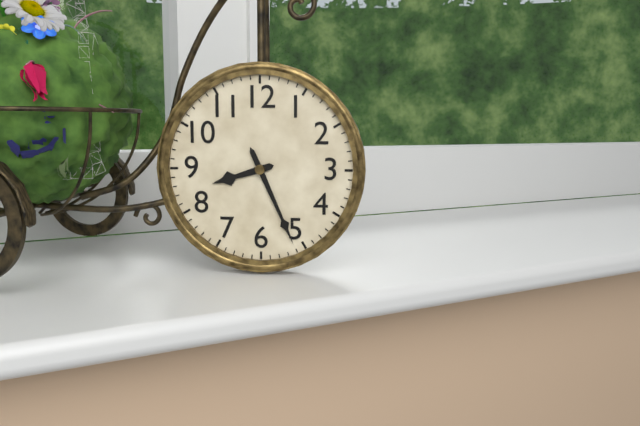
8h26
